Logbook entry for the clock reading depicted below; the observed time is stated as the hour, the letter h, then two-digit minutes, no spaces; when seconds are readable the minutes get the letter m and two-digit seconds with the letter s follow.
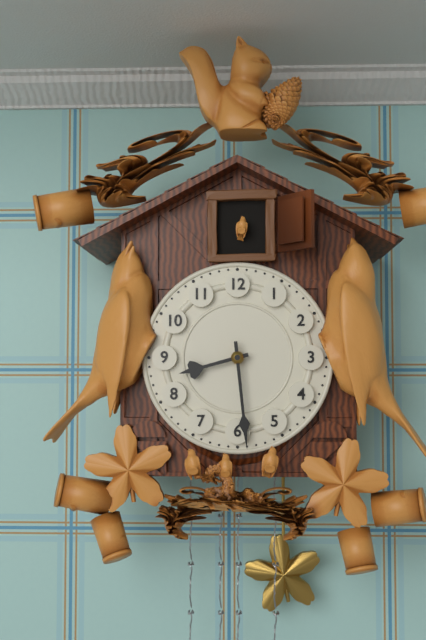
8h29
